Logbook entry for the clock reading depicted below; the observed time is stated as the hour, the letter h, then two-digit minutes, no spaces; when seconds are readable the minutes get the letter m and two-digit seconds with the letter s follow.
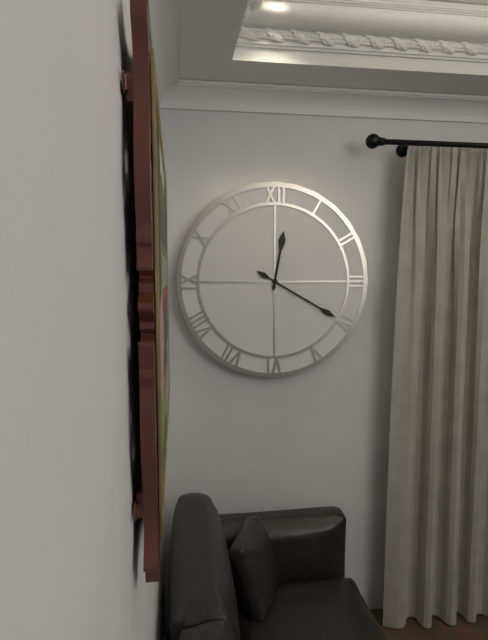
12h20
